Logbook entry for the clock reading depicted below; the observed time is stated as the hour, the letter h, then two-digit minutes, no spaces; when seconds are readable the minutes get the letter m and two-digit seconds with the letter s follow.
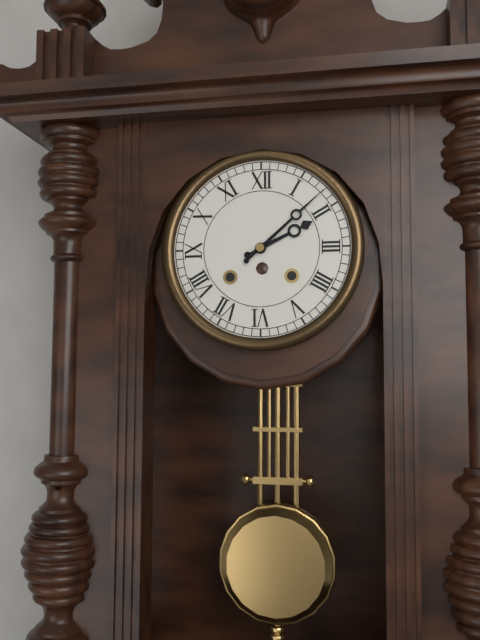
2h08
